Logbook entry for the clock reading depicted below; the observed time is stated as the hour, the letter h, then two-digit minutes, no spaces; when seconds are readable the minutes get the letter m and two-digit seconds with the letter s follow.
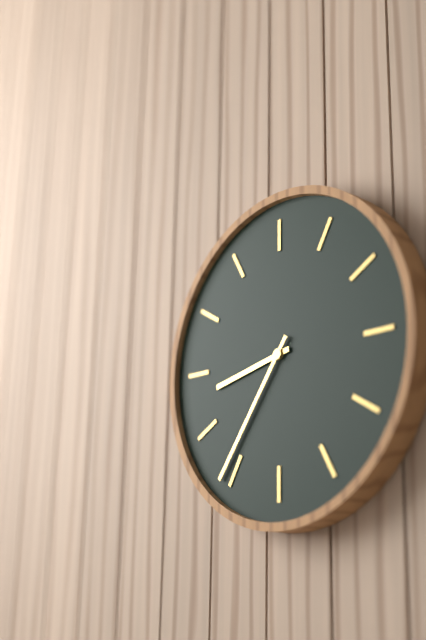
8h36
